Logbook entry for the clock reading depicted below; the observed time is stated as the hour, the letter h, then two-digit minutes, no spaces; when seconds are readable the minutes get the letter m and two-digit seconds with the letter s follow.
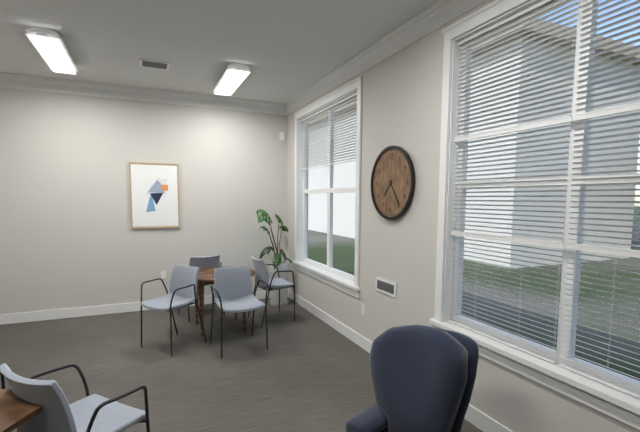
7h24
